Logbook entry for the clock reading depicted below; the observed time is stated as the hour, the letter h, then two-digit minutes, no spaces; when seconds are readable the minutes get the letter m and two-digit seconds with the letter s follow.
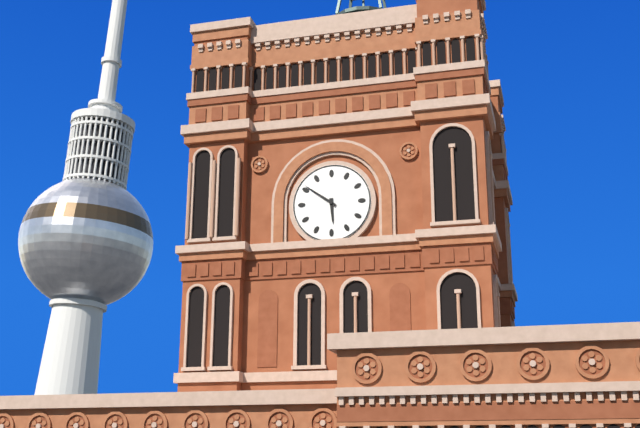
5h51
